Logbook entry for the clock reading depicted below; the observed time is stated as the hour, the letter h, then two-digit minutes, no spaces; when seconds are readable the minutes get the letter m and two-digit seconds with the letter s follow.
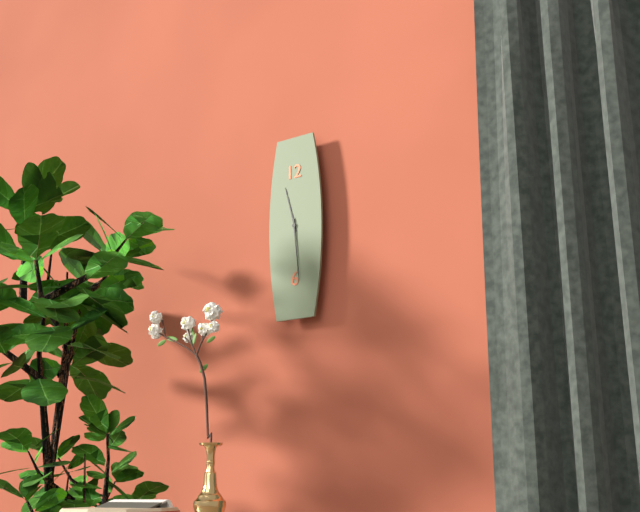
11h29
